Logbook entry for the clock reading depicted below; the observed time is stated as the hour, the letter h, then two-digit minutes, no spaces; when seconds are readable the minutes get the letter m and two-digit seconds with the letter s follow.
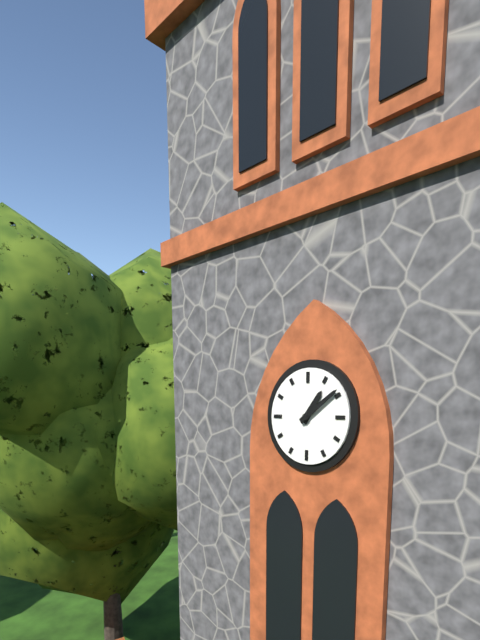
1h09
